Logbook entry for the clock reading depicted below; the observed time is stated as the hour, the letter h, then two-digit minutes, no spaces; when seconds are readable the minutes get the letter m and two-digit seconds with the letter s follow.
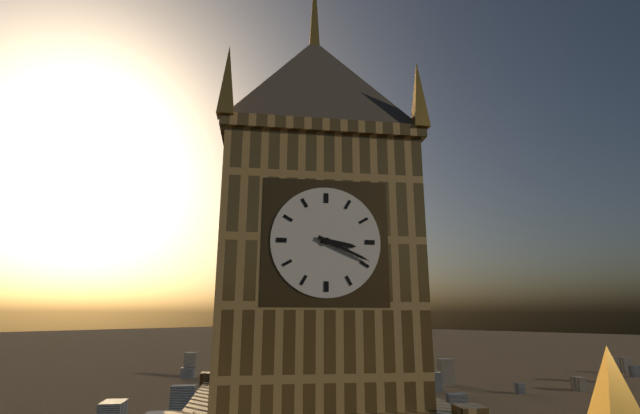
3h19
